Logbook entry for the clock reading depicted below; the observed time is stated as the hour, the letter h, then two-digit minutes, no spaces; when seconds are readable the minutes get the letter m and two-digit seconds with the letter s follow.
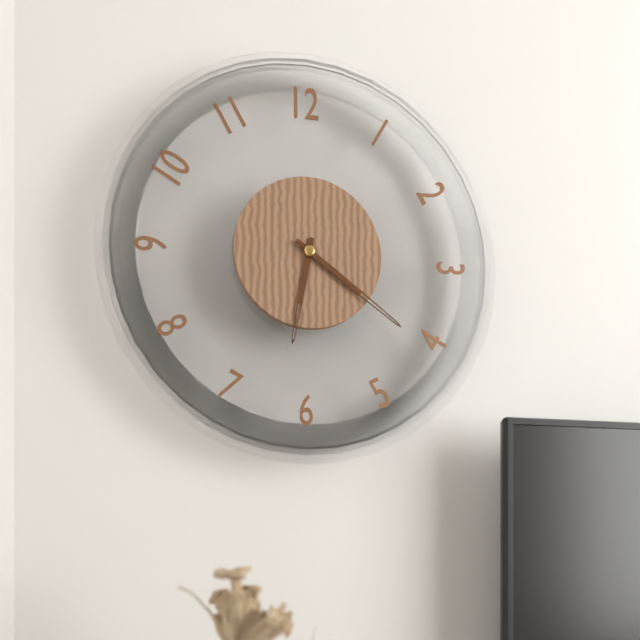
6h21
